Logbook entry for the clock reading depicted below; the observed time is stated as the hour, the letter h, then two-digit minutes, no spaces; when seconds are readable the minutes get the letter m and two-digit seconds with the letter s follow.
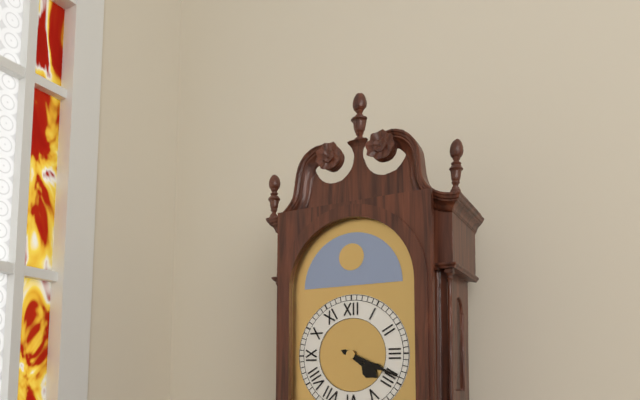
4h19
